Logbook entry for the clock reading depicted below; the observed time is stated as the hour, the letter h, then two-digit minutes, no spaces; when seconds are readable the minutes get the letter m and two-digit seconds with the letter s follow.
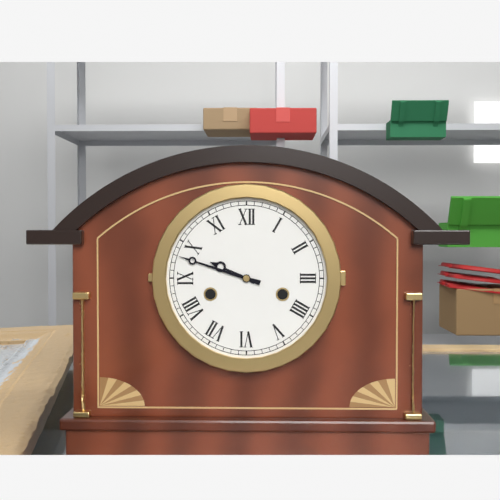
9h48
